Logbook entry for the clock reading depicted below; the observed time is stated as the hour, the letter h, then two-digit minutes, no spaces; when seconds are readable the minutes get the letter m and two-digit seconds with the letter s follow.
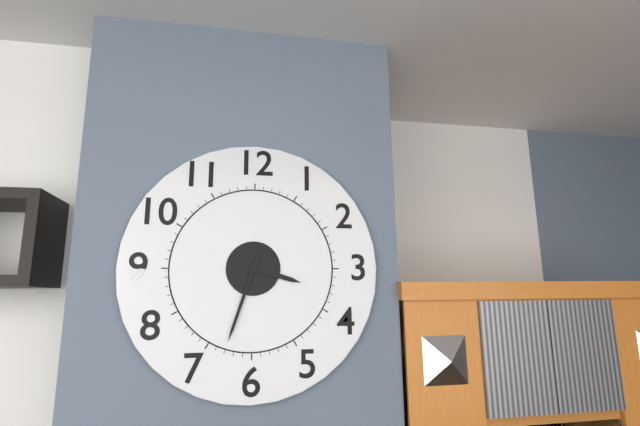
3h33
